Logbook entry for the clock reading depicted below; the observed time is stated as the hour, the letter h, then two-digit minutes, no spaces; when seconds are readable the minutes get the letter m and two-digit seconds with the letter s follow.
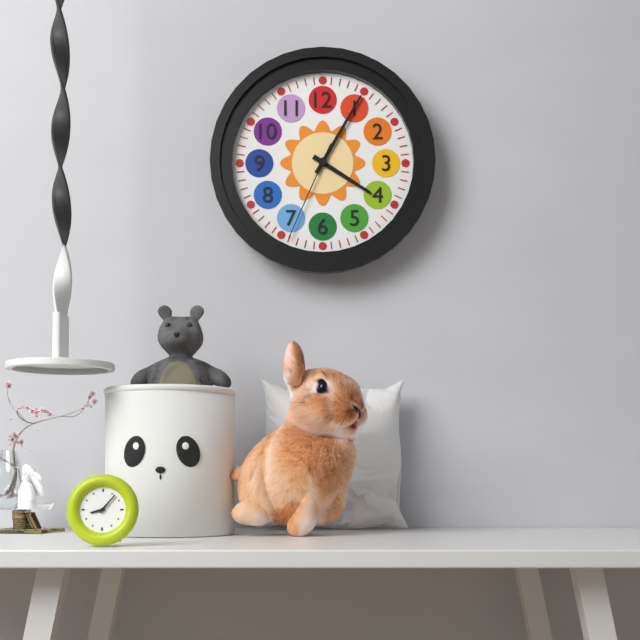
4h05m34s
